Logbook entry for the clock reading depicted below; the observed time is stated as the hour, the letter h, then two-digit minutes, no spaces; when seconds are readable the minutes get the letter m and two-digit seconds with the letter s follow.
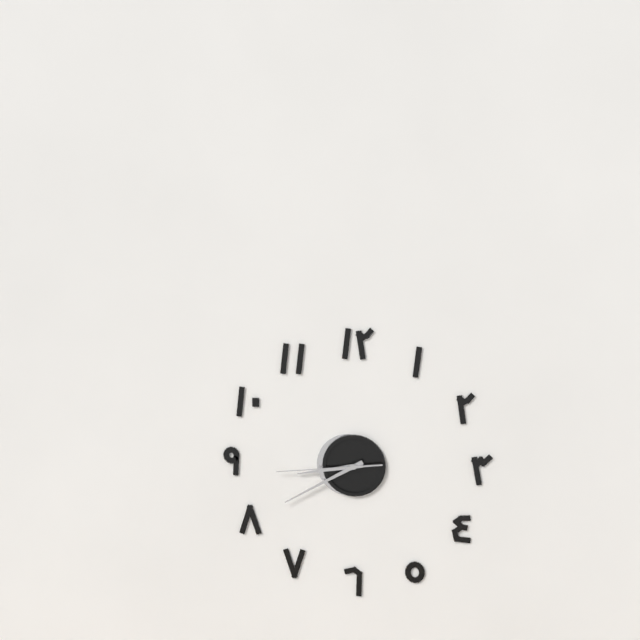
8h40m44s
